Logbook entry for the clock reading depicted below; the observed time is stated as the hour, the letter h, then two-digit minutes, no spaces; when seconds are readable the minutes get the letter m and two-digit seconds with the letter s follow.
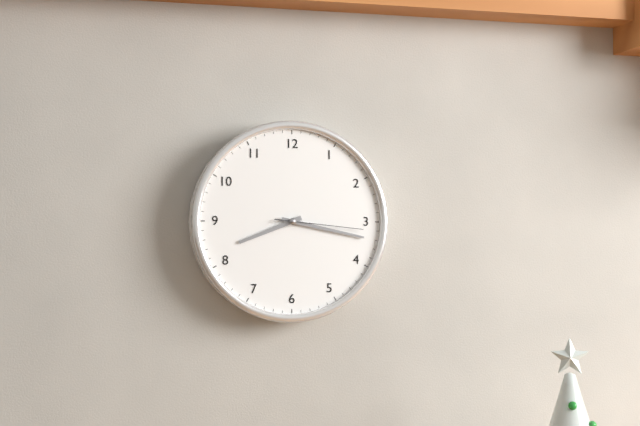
8h17m16s
